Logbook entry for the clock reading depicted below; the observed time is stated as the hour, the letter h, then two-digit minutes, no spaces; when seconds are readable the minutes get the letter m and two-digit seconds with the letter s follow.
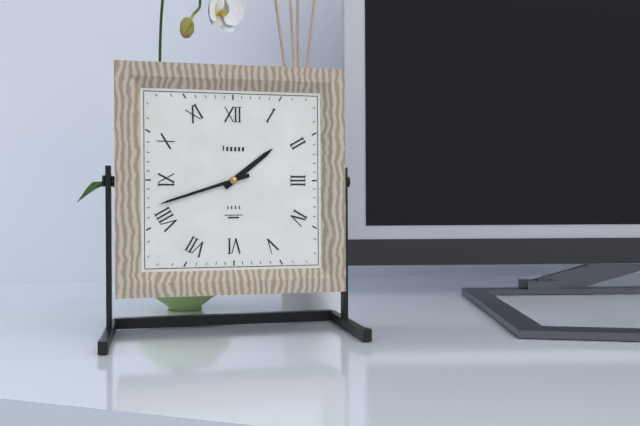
1h42
